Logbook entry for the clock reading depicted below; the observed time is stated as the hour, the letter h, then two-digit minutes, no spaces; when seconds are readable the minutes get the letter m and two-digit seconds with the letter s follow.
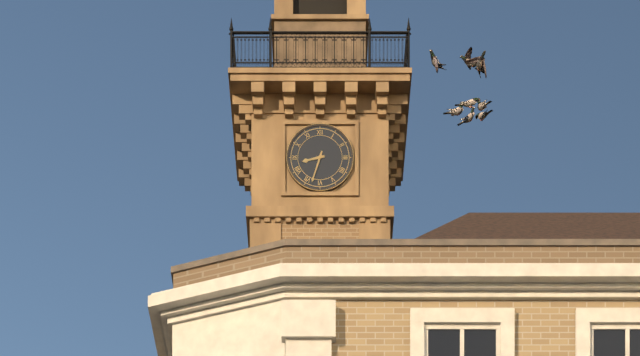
8h33
